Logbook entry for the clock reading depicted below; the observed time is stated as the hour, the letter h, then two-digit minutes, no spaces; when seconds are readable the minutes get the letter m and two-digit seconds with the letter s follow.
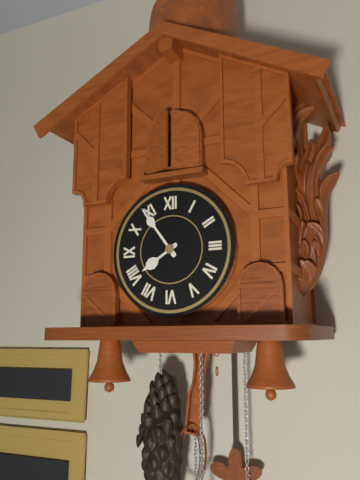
7h54
